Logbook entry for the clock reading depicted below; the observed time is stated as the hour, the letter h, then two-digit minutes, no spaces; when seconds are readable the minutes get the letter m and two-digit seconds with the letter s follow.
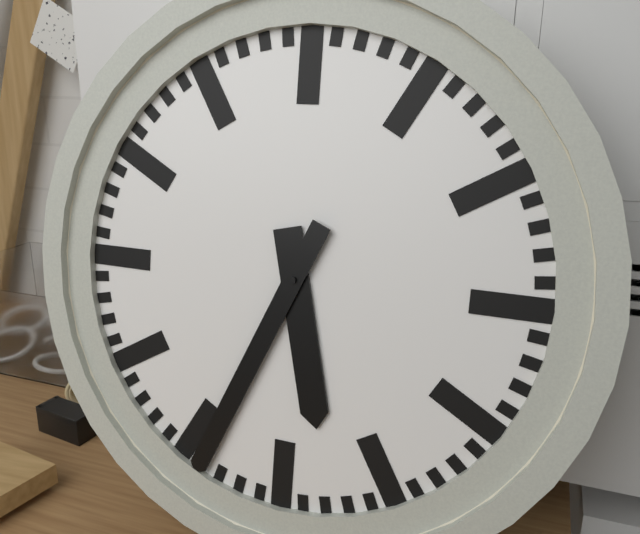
5h34
